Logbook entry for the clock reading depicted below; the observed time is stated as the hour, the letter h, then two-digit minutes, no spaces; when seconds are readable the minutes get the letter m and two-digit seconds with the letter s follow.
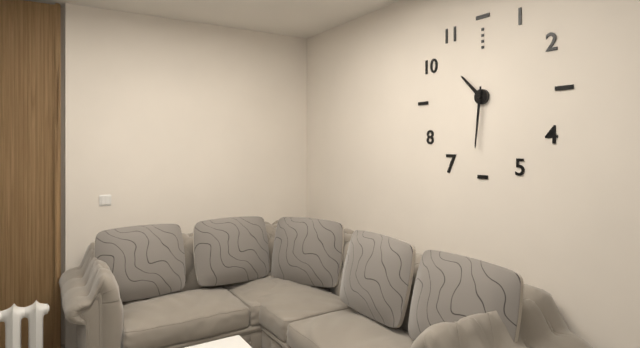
10h31
